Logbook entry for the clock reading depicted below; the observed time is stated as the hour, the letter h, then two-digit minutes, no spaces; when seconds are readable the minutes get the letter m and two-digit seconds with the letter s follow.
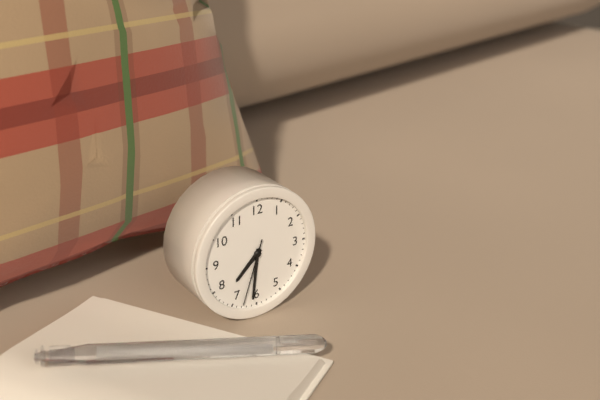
7h31m33s
